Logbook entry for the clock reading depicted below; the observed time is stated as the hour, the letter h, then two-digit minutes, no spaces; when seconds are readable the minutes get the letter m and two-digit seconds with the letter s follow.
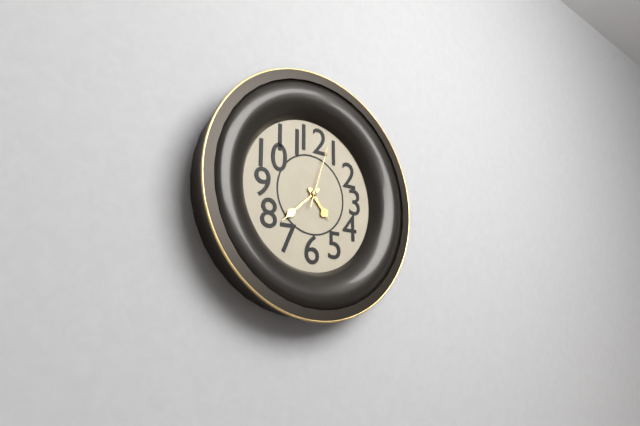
4h38m03s
